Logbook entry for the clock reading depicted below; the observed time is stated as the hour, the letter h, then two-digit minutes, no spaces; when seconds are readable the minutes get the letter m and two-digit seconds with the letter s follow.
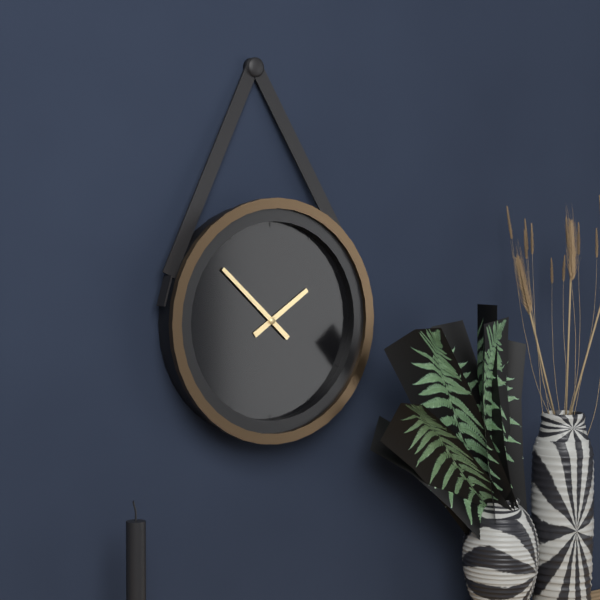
1h52
